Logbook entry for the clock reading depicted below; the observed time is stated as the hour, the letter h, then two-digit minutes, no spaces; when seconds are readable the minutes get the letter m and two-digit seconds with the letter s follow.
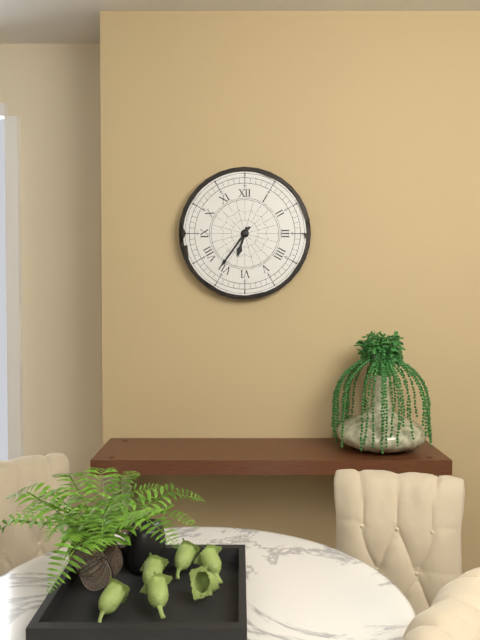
6h36
